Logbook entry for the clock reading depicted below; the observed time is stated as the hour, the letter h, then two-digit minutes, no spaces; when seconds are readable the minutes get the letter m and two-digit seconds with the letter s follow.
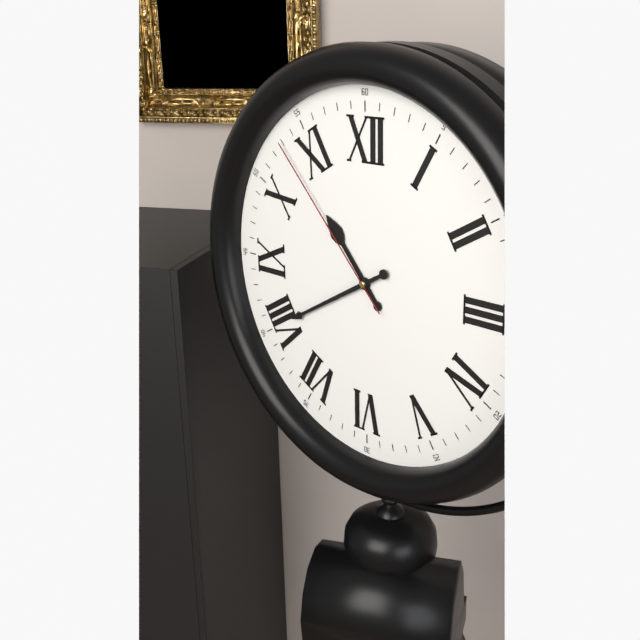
10h40m53s
